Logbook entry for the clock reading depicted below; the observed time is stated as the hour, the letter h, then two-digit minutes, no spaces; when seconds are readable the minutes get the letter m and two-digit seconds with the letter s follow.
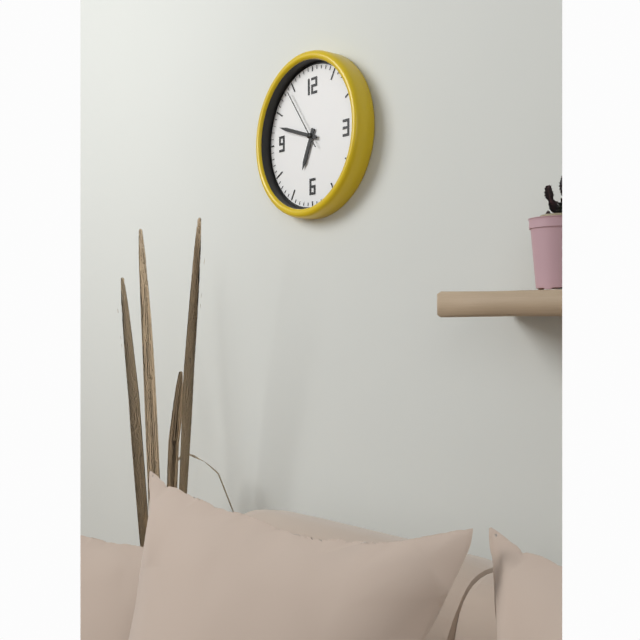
6h48m54s
